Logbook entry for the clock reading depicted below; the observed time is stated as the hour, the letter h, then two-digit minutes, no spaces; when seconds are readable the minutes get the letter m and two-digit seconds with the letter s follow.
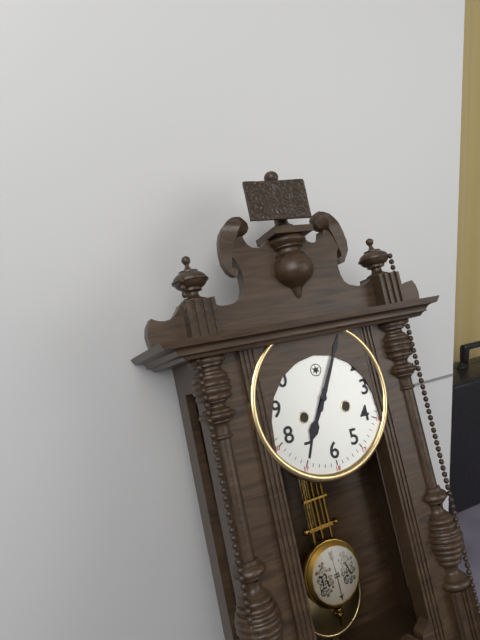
7h05
